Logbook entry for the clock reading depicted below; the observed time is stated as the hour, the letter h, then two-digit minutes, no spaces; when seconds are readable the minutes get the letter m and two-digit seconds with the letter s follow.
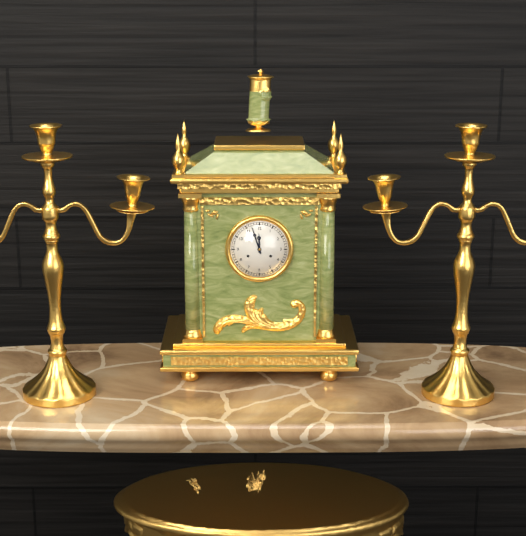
11h57
